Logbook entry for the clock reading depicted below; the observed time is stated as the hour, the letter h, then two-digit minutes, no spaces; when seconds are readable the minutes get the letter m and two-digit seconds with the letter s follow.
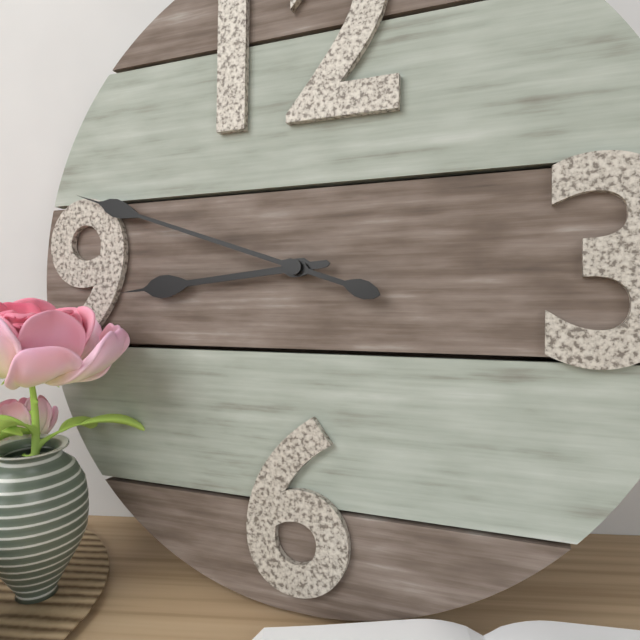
8h48
